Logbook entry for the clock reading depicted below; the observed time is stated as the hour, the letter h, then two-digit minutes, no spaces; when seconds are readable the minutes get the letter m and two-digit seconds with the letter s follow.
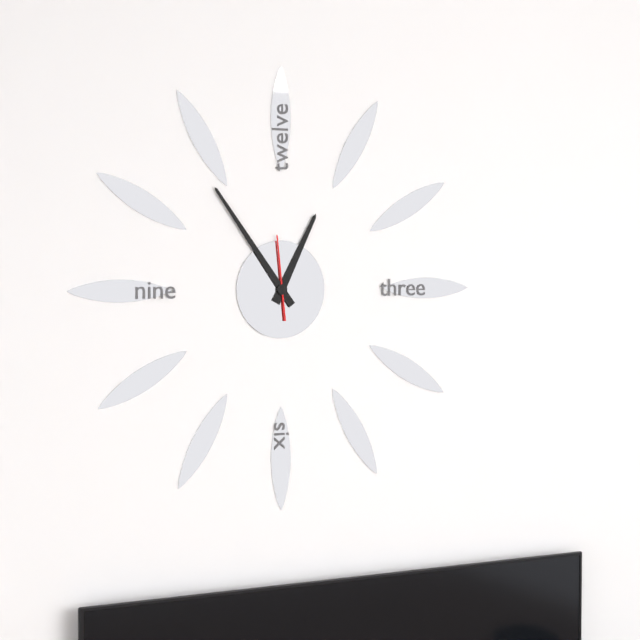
12h54m59s
